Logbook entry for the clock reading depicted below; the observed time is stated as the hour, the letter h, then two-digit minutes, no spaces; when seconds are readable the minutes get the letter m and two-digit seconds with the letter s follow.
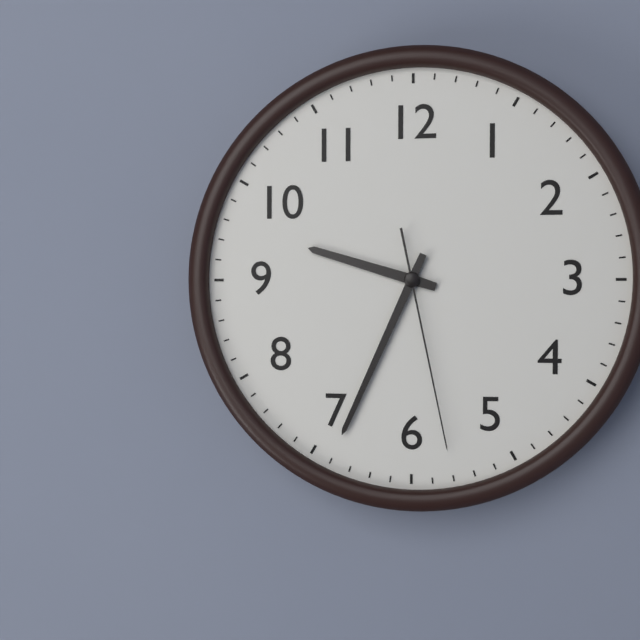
9h34m28s
